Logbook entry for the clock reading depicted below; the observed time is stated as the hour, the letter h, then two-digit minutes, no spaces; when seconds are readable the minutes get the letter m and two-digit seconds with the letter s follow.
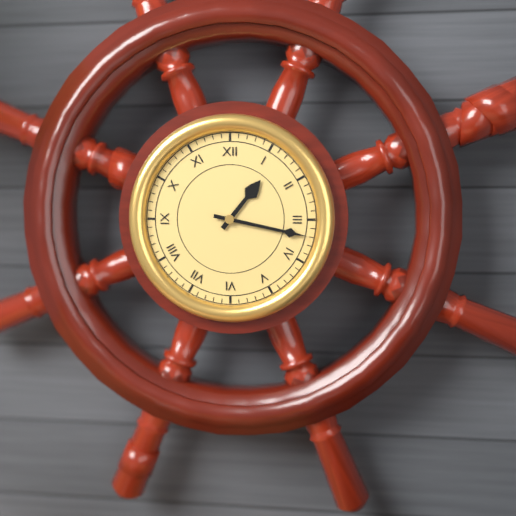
1h17
